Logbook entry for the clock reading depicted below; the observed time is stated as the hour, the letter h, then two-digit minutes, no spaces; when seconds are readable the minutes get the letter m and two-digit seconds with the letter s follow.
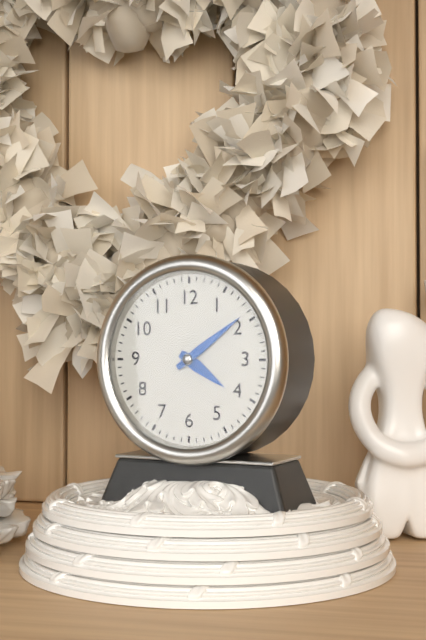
4h09
